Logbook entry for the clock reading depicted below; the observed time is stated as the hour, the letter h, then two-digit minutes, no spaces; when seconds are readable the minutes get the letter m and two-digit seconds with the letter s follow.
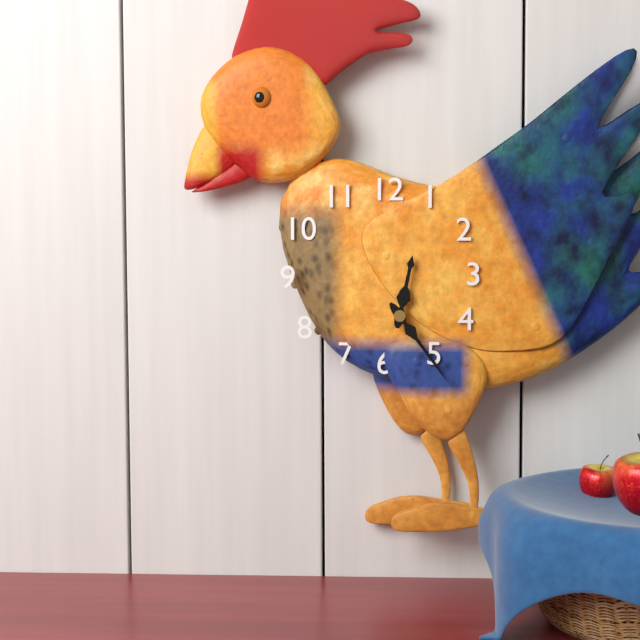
12h24
